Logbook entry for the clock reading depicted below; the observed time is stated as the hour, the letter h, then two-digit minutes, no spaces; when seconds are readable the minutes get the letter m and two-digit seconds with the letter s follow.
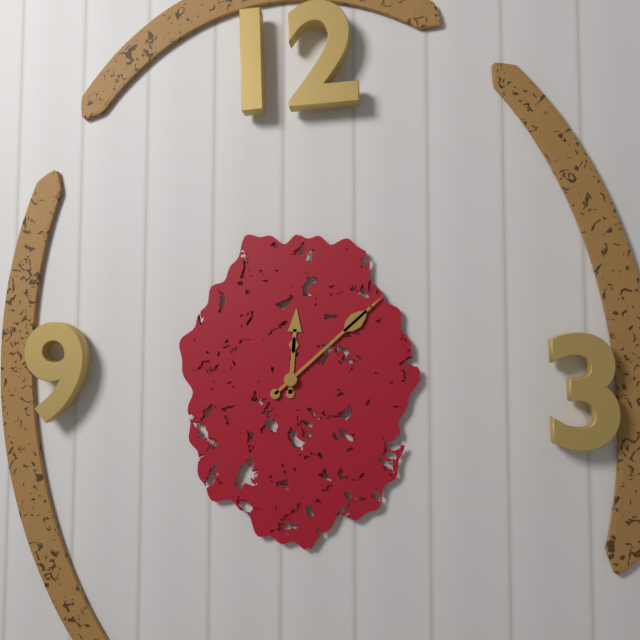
12h08
